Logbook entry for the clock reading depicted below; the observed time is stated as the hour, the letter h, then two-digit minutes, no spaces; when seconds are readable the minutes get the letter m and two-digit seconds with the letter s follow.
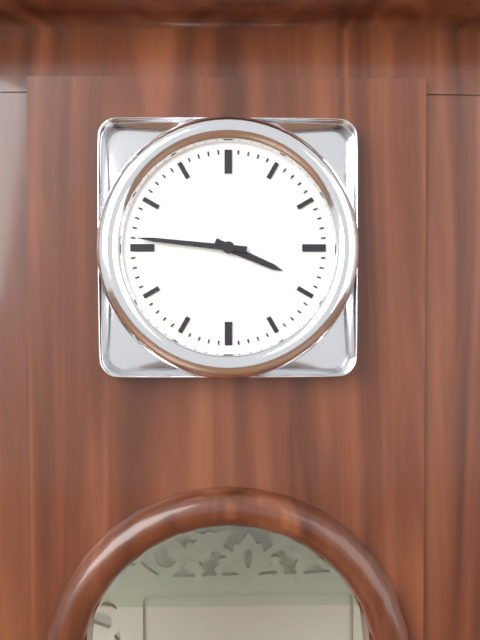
3h46
